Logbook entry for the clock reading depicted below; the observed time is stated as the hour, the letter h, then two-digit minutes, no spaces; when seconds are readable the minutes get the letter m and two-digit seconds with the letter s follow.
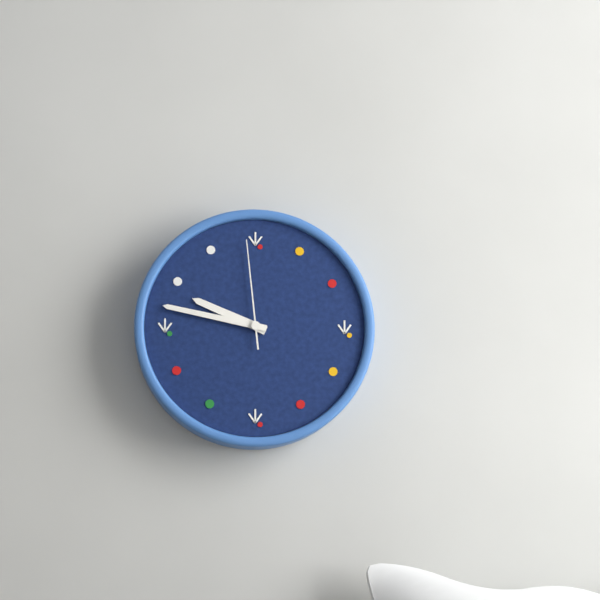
9h47m59s
